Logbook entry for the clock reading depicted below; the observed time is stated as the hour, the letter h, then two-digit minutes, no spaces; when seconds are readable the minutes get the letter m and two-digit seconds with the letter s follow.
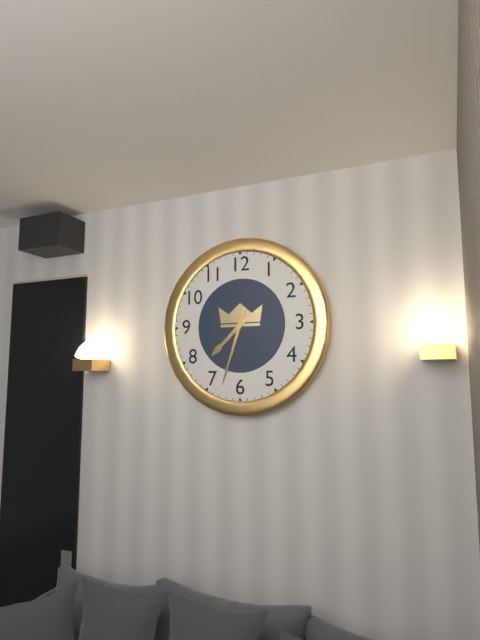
7h33
